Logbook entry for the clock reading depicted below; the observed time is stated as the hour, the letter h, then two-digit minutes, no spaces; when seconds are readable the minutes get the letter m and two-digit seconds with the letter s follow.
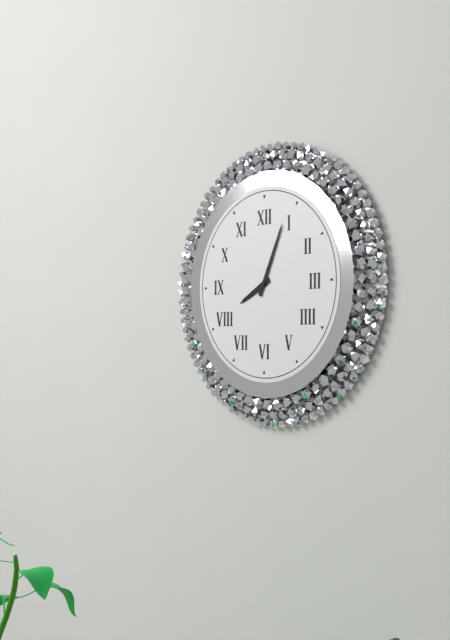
8h04
